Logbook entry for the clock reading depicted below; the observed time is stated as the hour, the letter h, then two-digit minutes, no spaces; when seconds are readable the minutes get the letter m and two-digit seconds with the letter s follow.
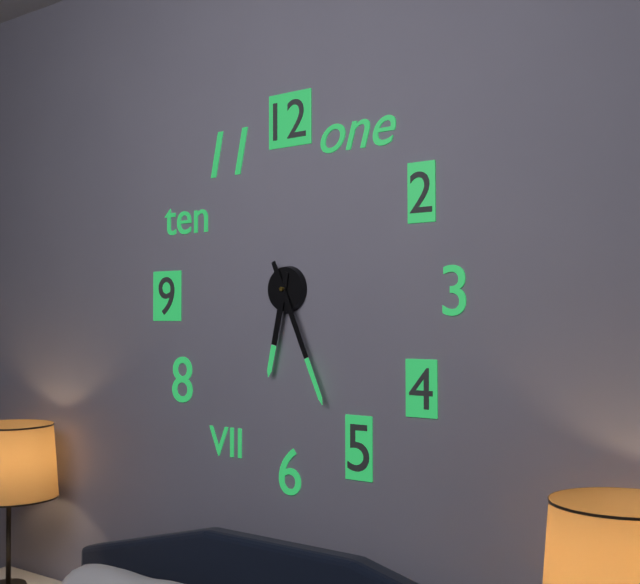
6h26
